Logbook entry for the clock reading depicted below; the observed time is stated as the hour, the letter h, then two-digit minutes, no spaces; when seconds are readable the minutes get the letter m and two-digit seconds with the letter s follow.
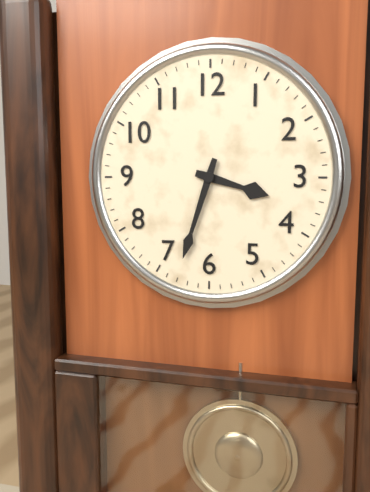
3h33
